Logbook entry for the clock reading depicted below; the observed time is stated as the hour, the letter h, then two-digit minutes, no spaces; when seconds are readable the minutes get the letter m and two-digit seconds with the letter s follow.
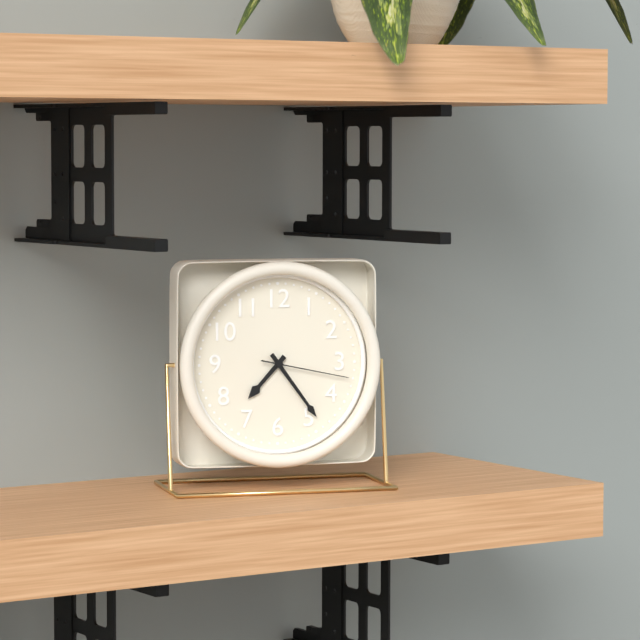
7h24m17s
